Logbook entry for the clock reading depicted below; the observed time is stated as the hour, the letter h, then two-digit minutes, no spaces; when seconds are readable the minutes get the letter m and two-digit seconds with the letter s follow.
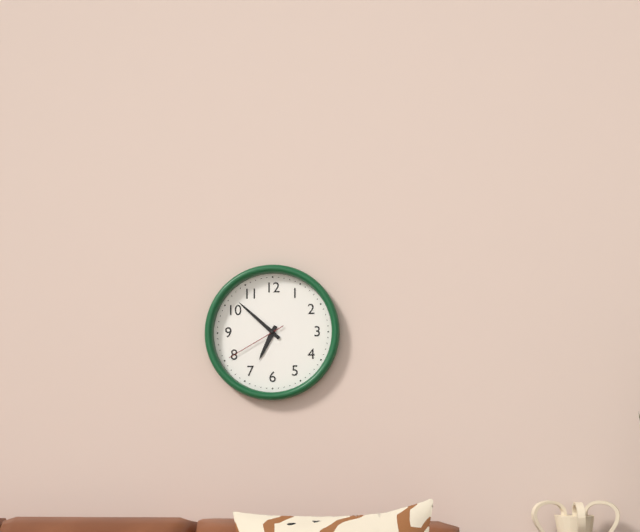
6h52m40s
